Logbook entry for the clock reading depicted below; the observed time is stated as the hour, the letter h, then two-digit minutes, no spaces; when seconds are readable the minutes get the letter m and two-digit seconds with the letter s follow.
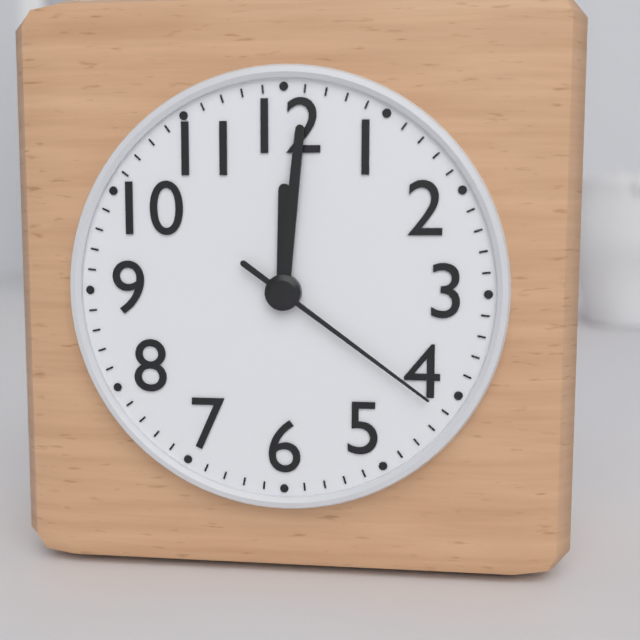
12h01m21s
